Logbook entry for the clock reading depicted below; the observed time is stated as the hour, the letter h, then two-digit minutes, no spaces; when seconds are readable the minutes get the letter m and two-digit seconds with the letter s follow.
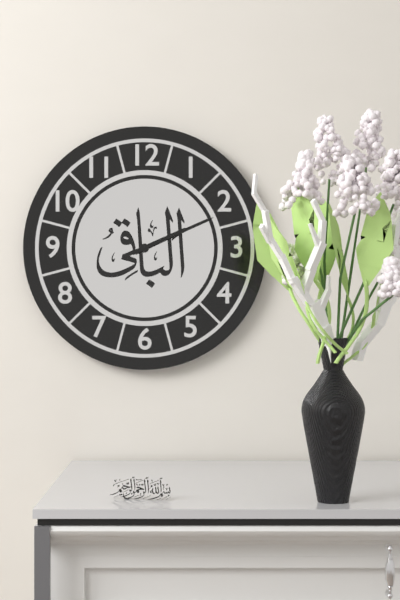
2h11
